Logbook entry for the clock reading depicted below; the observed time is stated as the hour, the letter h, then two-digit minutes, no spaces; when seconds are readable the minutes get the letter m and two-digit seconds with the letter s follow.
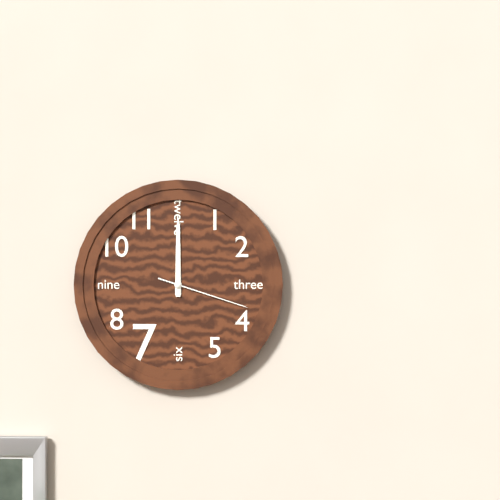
12h00m18s
